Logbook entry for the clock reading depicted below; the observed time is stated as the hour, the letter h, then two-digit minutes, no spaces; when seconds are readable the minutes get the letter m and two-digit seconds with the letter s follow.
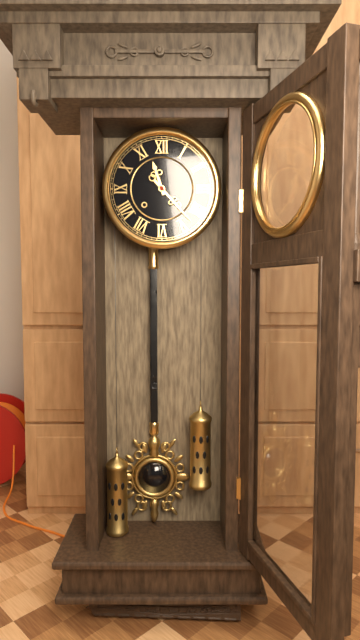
11h23
